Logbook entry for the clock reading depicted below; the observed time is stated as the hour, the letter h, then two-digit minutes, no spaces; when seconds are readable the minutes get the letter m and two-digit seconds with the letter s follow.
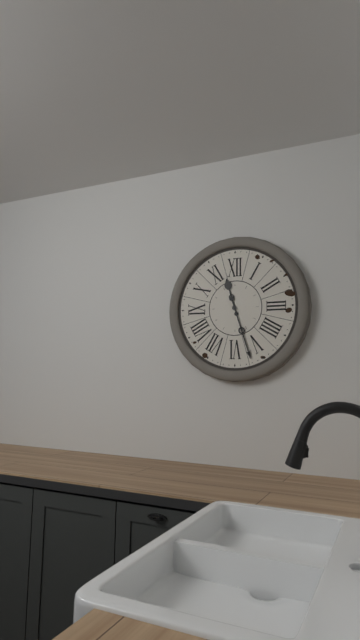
11h27
